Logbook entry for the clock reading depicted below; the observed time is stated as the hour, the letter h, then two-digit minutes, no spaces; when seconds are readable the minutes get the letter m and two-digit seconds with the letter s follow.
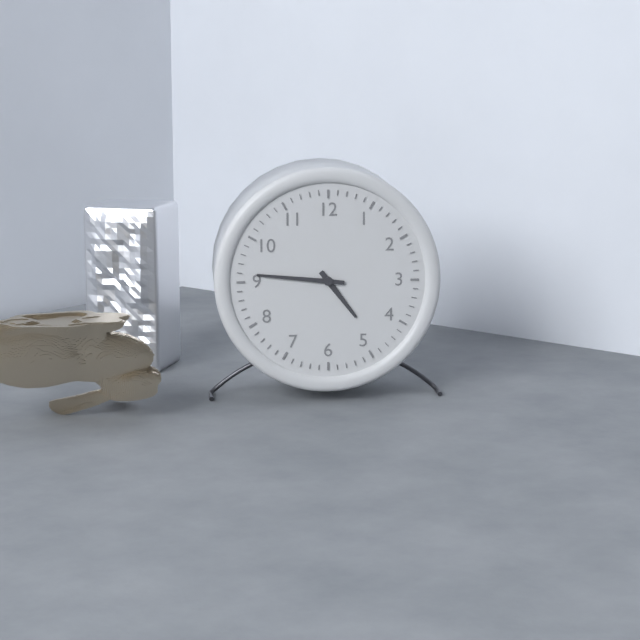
4h46
